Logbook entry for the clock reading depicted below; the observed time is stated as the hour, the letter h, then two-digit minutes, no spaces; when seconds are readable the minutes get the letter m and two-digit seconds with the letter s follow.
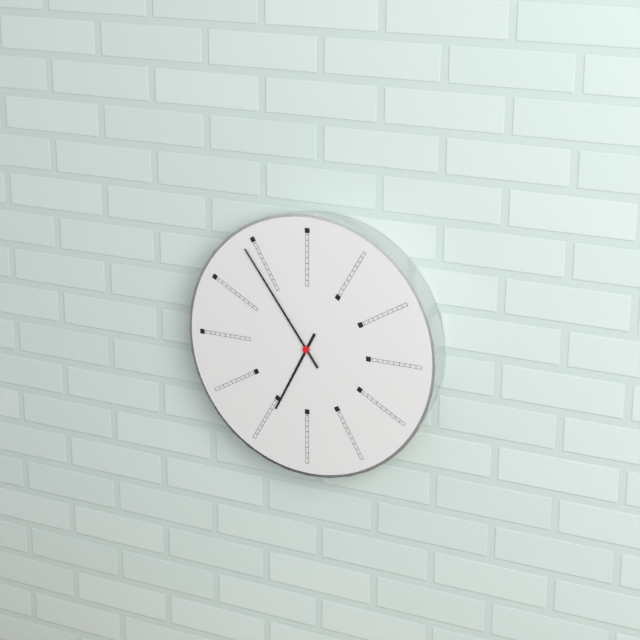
6h54
